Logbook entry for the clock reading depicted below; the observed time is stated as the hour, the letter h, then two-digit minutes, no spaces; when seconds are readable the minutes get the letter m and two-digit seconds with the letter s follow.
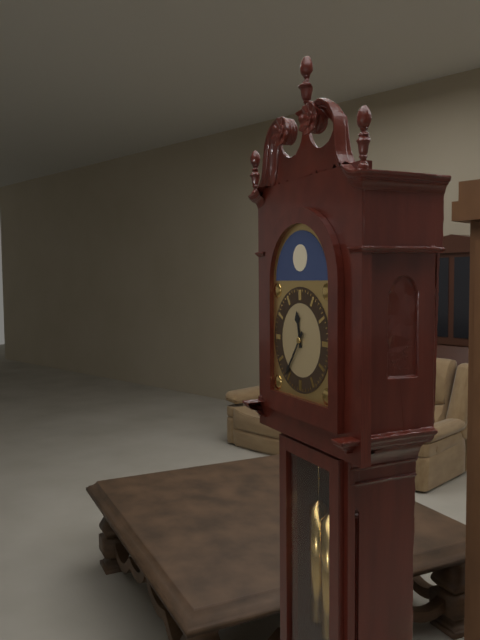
11h36
